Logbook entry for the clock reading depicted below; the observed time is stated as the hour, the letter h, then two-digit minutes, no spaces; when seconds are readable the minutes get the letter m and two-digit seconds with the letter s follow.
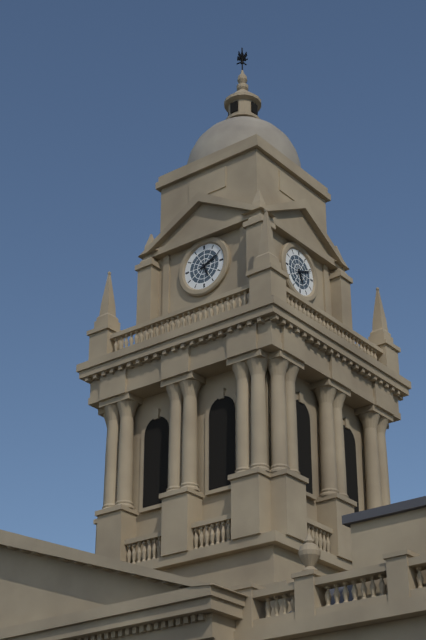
5h11
